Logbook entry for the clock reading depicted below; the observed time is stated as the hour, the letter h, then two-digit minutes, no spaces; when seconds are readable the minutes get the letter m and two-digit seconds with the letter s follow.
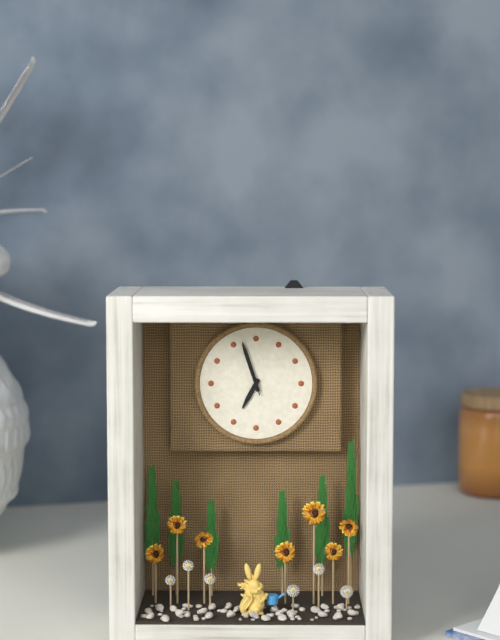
6h57
